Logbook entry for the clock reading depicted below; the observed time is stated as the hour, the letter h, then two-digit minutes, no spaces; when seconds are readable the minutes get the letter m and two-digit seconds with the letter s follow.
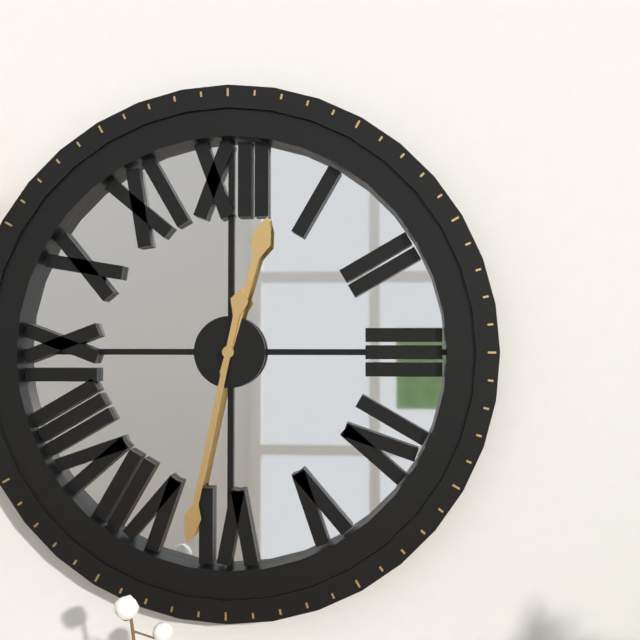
12h32
